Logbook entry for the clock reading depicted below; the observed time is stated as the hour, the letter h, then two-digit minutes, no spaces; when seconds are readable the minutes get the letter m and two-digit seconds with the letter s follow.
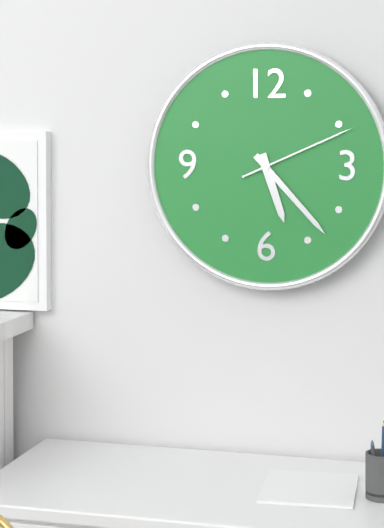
5h23m11s
